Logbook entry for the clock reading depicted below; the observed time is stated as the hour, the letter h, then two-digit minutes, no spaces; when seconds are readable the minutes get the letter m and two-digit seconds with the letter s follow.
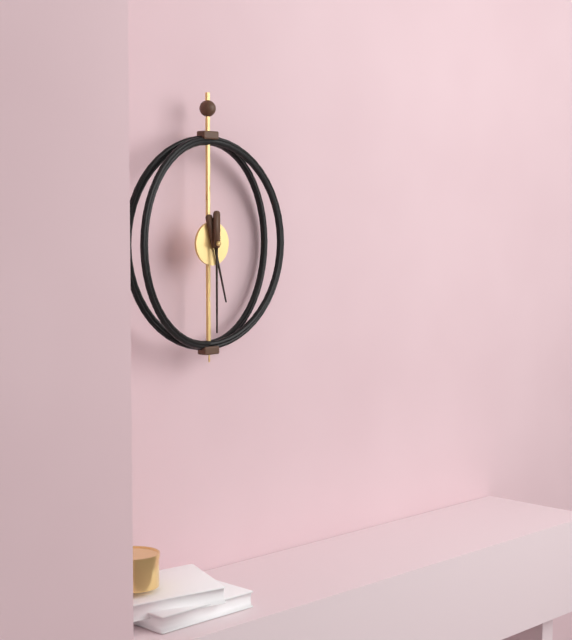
5h30
